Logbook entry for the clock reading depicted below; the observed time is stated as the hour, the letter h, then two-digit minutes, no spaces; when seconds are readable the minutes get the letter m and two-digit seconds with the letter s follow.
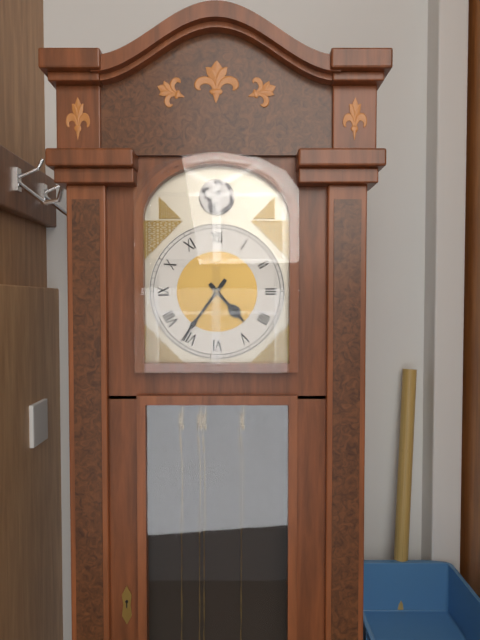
4h36
